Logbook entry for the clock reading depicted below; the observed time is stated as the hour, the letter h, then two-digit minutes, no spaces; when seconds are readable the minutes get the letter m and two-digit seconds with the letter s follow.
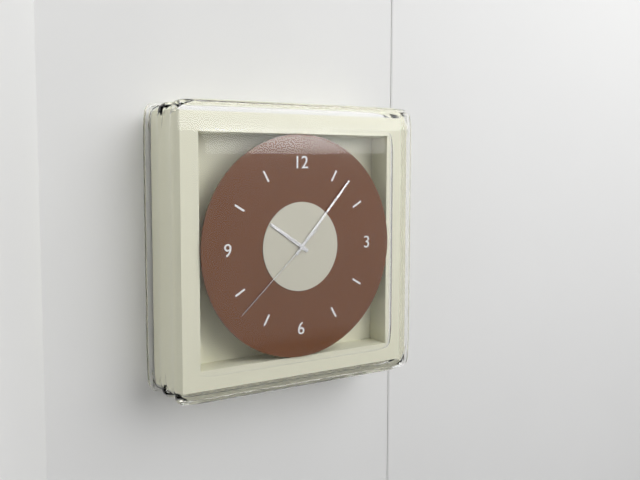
10h07m38s
